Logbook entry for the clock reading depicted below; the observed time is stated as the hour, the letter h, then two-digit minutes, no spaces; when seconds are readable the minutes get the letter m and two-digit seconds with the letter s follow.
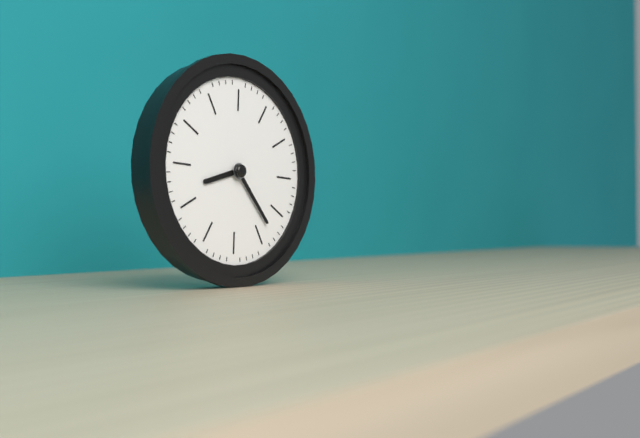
8h23
